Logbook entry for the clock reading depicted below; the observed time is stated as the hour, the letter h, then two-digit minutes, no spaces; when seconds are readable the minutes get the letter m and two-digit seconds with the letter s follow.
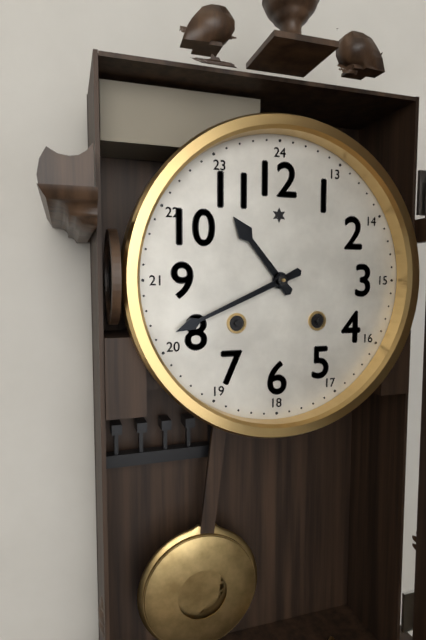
10h41
